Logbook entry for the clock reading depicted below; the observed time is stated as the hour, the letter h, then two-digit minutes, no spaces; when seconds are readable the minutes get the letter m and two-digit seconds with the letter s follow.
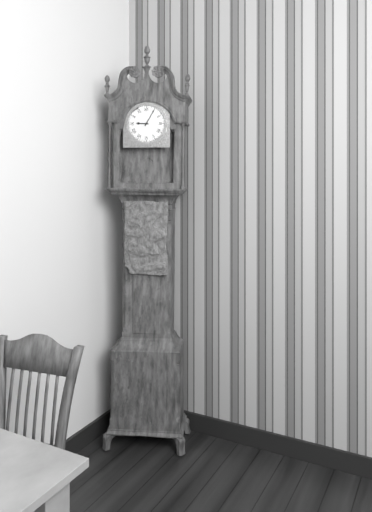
9h05
